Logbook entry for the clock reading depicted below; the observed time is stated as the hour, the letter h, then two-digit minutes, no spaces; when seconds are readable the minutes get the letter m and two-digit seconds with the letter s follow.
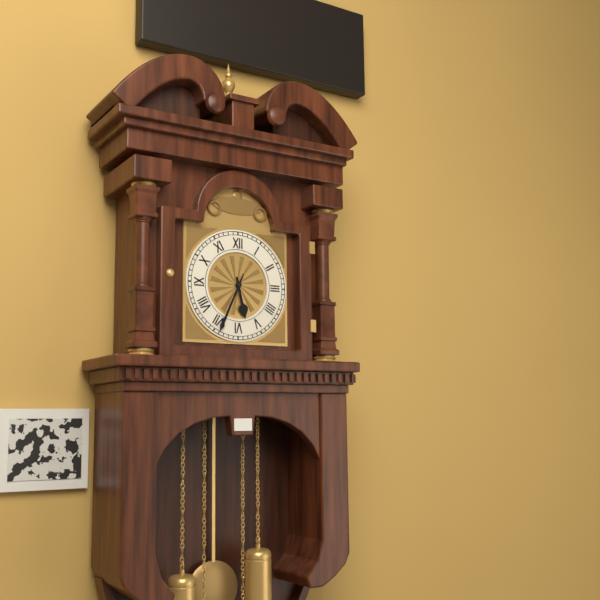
5h34
